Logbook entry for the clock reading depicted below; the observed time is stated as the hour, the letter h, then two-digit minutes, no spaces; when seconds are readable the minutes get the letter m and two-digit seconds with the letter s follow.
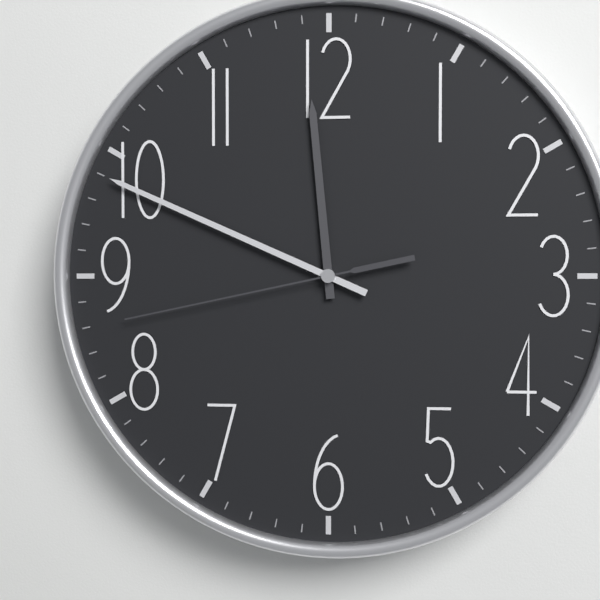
11h49m43s
